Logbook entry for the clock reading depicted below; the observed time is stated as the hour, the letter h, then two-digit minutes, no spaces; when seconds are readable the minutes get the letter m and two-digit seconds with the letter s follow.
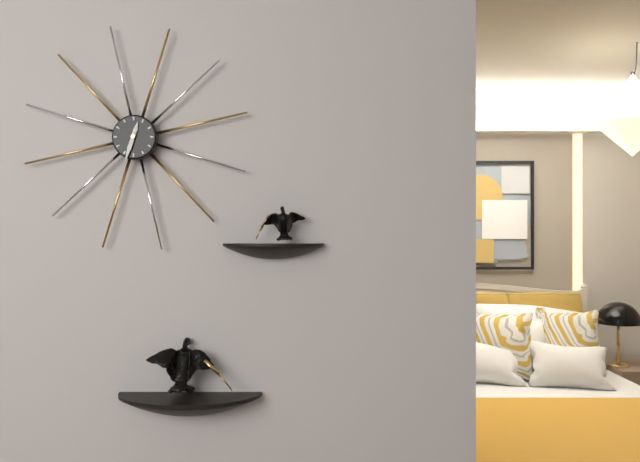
12h33
